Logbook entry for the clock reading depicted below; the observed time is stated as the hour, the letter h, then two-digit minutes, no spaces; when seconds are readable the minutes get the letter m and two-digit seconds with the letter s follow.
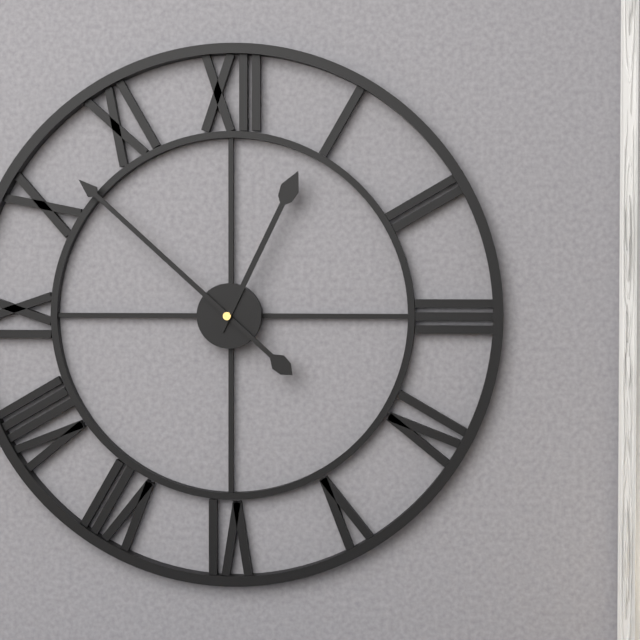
12h52
